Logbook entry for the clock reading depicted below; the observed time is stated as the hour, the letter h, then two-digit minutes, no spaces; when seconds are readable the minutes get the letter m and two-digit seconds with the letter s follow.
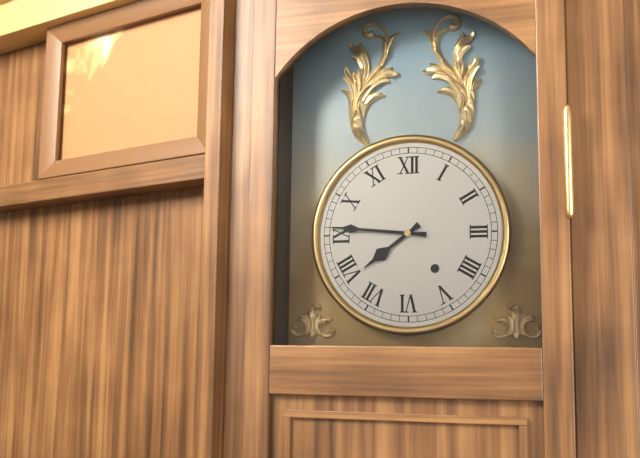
7h46
